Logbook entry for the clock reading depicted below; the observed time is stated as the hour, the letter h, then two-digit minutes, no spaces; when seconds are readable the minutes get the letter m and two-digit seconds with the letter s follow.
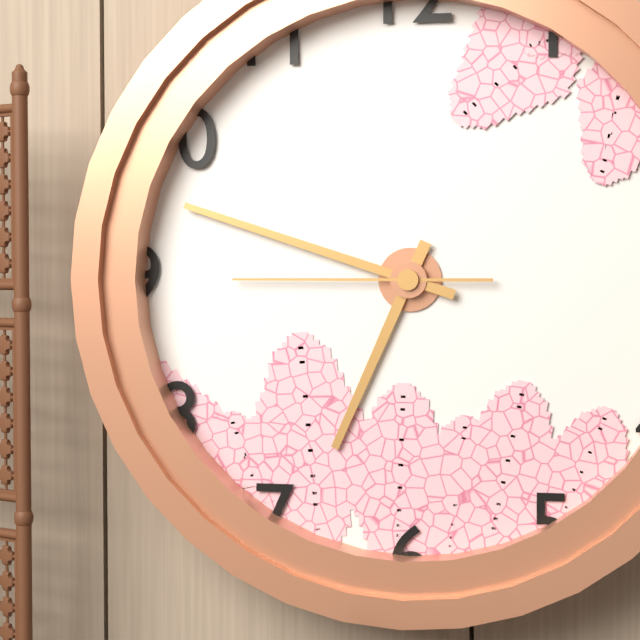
6h48m45s
